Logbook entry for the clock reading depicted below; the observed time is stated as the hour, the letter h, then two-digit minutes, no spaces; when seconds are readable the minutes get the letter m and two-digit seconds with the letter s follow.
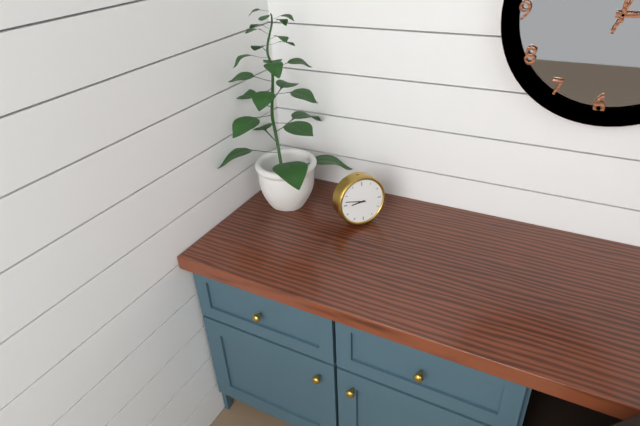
8h47
